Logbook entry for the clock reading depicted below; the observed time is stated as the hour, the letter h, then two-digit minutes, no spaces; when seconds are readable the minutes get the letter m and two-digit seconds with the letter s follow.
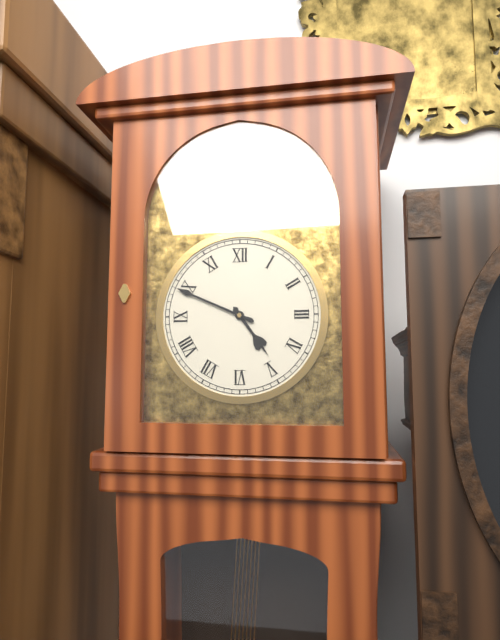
4h49
